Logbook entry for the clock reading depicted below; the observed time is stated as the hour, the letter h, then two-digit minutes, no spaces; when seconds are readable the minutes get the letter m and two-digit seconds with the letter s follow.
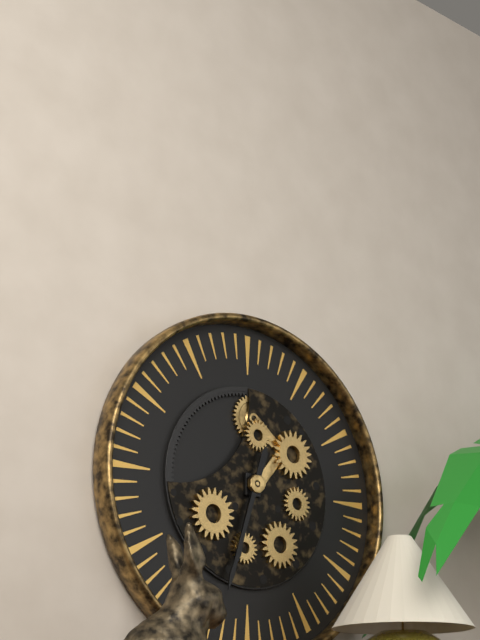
6h33
